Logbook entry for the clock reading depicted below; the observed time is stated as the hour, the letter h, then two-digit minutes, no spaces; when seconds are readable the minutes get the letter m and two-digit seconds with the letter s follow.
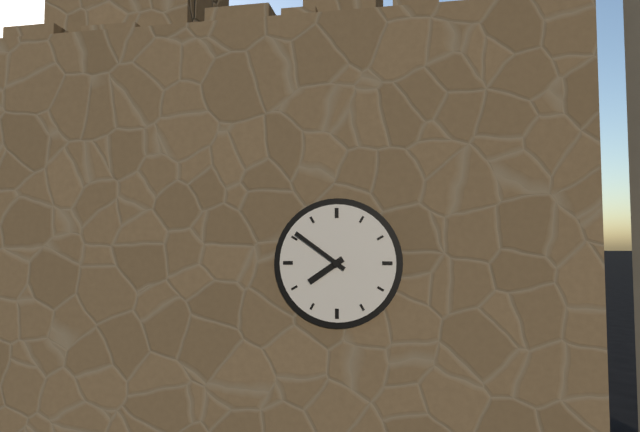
7h51
